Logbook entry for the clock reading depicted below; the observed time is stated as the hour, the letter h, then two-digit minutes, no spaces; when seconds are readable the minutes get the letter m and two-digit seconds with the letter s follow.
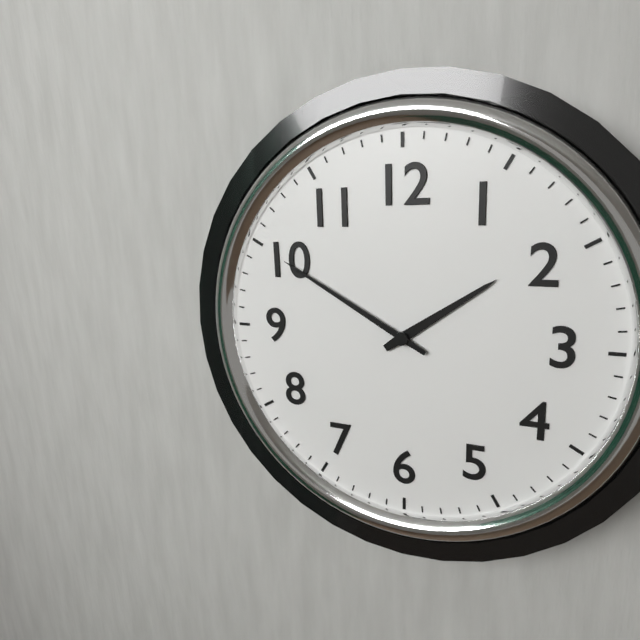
1h50
